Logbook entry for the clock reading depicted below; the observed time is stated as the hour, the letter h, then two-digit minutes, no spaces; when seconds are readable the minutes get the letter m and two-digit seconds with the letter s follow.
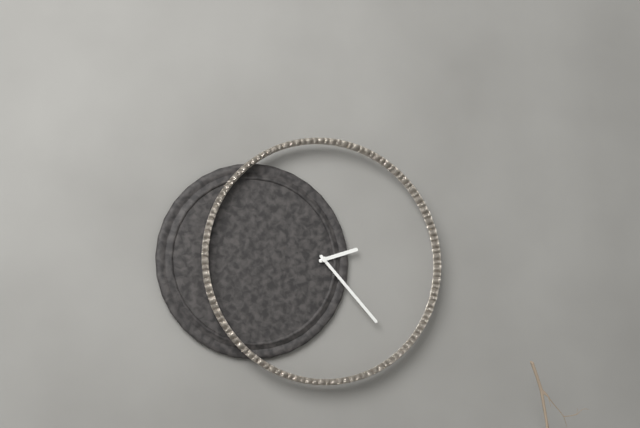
2h23
